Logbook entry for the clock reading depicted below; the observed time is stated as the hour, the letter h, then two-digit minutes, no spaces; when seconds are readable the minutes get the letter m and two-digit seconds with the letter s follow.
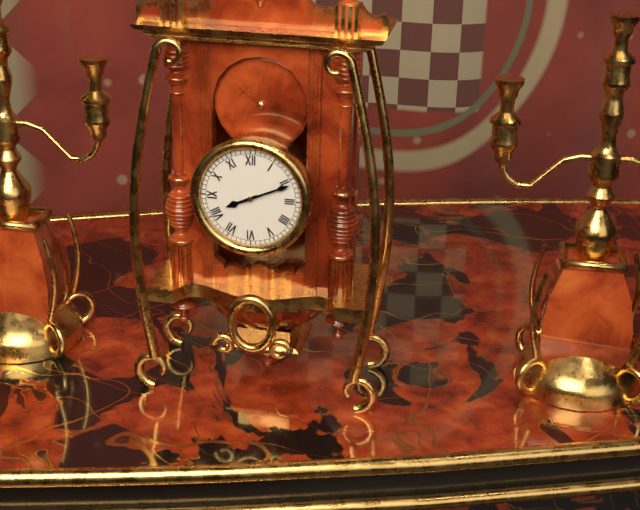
8h11
